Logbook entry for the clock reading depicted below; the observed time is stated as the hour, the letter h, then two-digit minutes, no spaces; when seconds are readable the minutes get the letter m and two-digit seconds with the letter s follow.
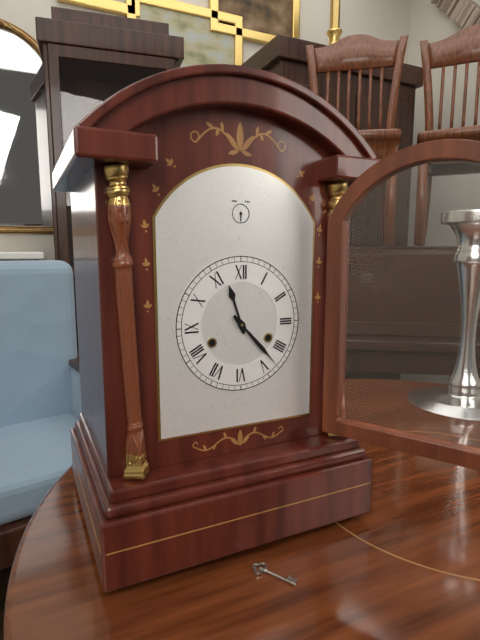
11h23
